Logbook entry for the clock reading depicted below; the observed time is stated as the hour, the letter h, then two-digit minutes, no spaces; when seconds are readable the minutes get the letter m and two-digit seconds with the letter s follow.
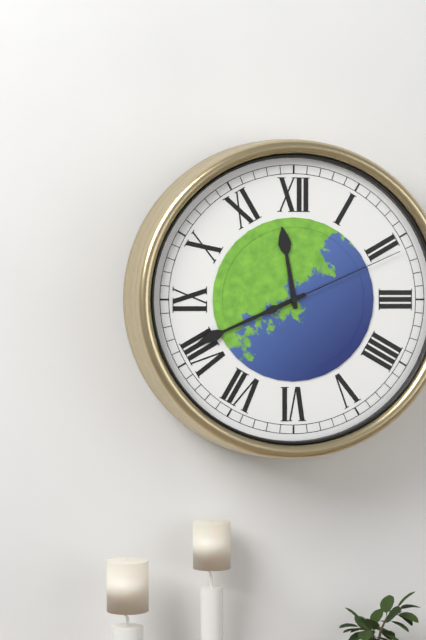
11h41m11s
